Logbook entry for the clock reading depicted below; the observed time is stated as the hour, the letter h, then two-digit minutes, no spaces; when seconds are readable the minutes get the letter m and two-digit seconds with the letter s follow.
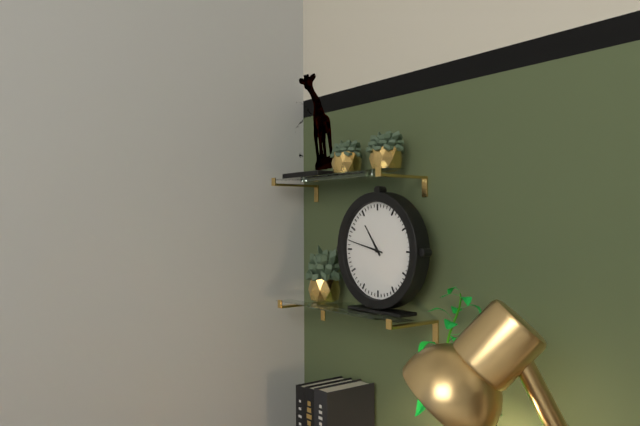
10h47
